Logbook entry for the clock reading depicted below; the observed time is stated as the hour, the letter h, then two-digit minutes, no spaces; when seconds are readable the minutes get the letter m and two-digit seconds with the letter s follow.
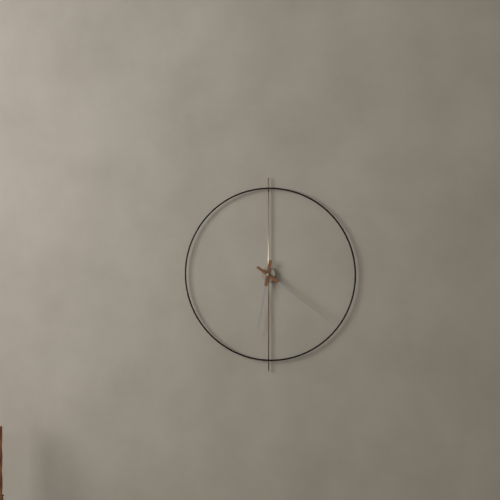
6h21
